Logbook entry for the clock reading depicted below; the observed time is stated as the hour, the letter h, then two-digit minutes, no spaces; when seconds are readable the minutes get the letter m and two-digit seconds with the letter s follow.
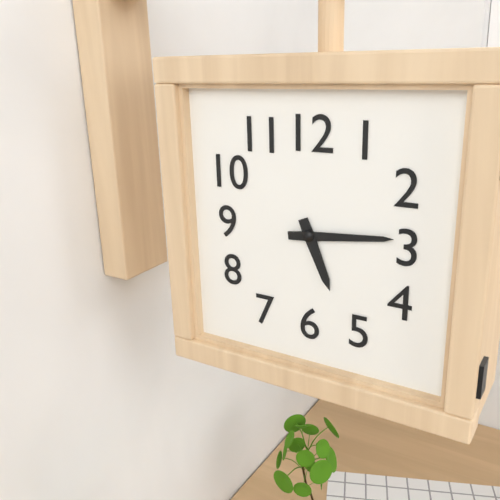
5h14
